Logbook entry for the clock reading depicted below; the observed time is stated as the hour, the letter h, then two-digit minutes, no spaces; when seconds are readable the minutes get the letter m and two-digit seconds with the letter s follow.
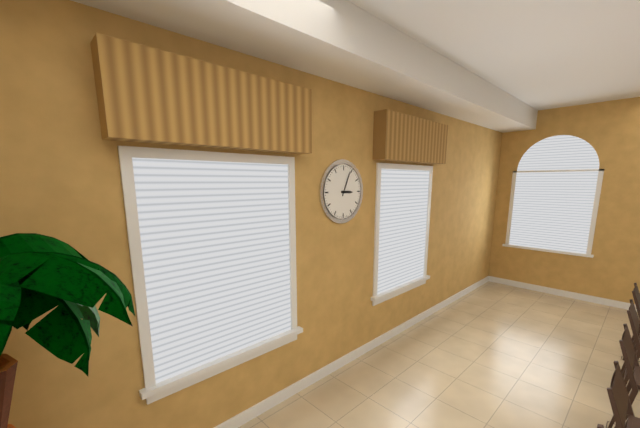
3h04
